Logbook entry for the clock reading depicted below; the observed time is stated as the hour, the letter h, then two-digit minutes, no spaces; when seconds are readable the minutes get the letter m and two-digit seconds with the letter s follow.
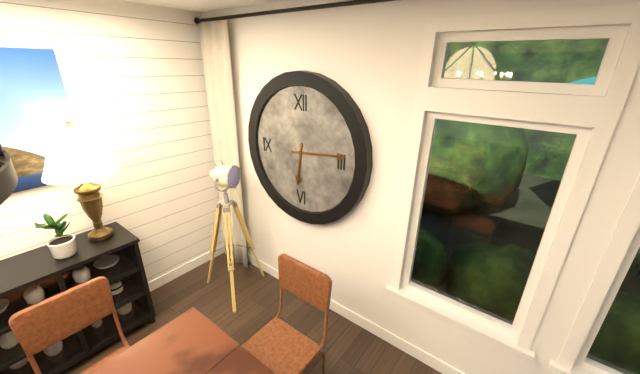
6h14
